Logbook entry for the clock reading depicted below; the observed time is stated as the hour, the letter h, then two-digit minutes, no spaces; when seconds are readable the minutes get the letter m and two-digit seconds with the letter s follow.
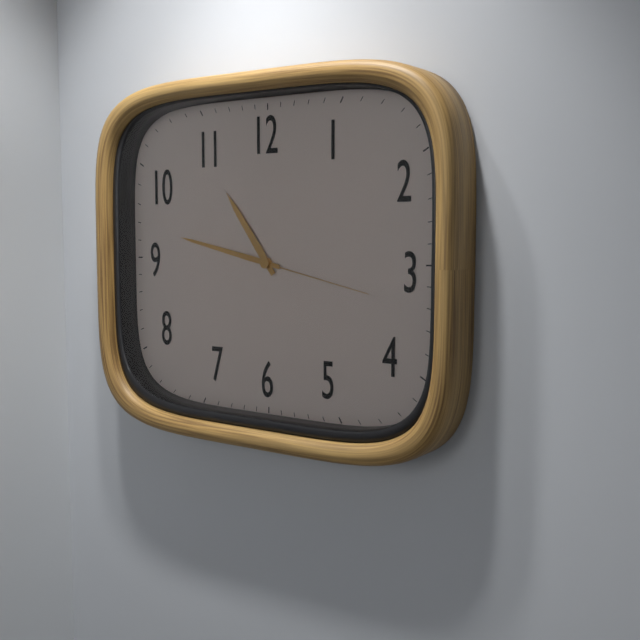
10h47m17s
